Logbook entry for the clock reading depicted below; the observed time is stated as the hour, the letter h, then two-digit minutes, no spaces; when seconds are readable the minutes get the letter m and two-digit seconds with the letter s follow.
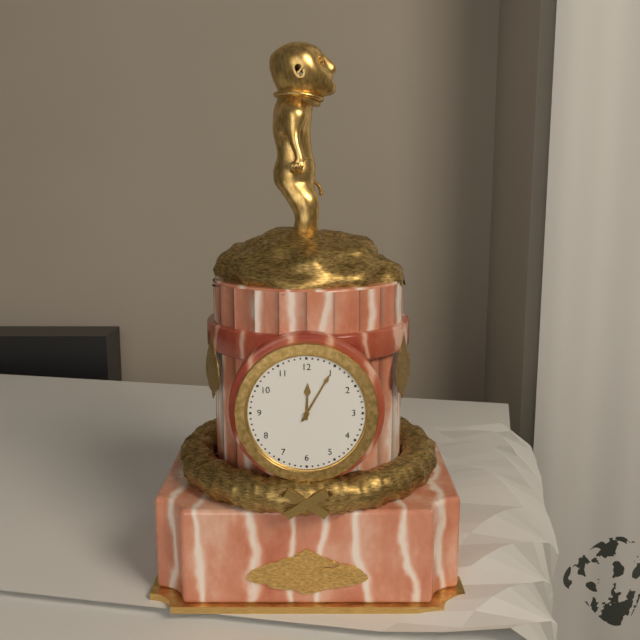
12h05
